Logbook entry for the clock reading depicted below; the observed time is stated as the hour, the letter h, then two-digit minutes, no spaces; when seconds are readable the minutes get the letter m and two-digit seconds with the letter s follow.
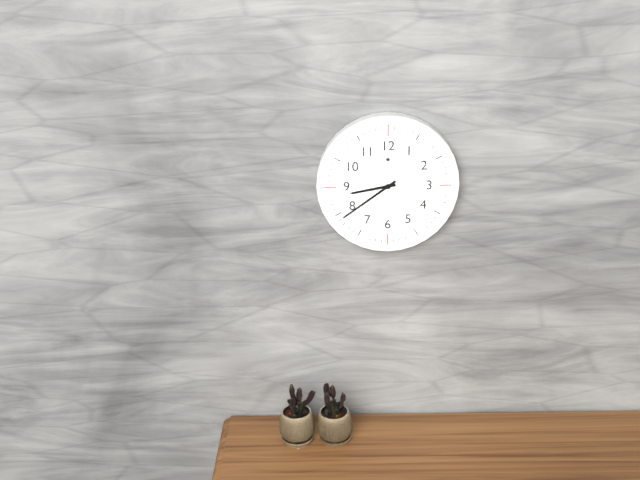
8h39
